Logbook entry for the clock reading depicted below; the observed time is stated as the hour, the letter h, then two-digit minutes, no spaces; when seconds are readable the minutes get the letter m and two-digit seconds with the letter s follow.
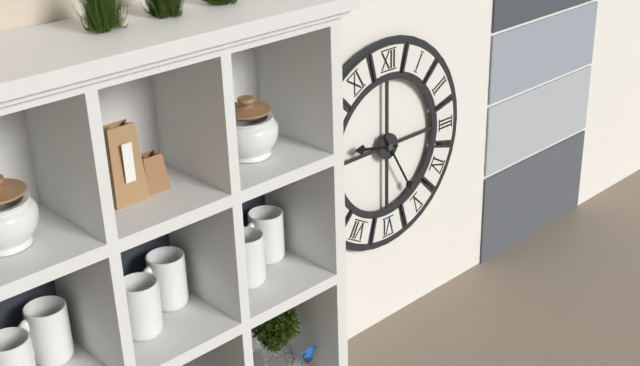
9h25
